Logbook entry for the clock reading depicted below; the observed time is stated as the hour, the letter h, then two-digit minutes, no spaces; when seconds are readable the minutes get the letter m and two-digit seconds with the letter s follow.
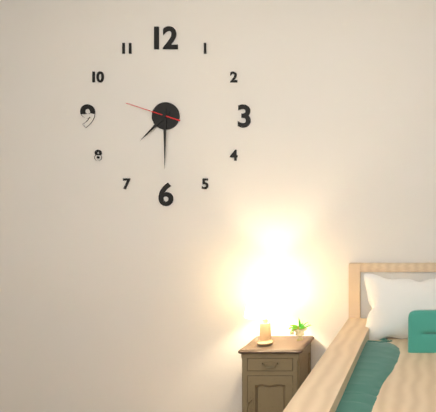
7h30m48s
